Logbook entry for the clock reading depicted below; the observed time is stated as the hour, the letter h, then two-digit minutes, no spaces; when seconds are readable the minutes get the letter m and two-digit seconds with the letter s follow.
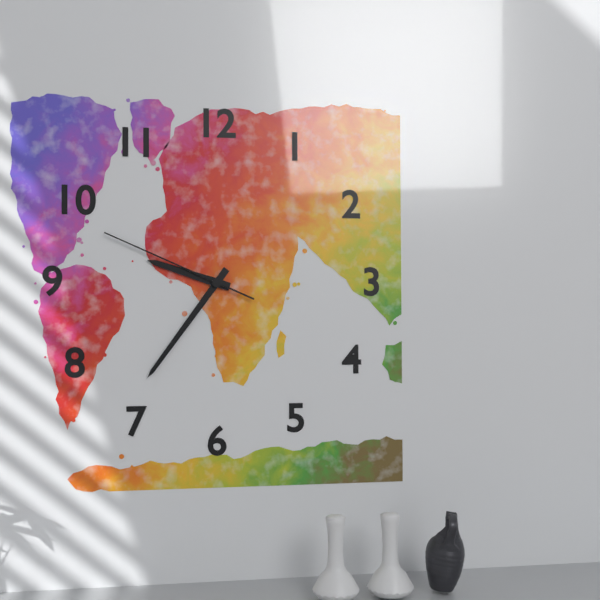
9h36m49s
